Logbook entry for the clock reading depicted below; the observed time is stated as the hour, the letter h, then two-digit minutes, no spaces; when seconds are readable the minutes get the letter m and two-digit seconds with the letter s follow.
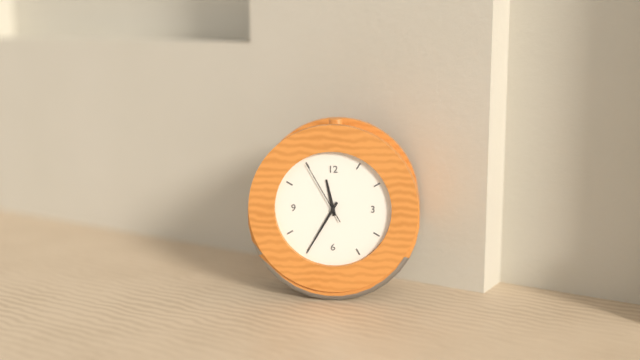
11h35m55s
